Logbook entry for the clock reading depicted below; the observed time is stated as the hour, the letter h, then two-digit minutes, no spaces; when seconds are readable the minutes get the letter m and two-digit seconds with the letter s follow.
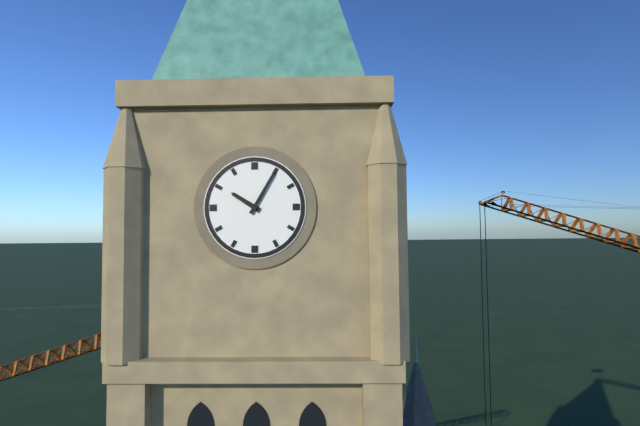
10h05
